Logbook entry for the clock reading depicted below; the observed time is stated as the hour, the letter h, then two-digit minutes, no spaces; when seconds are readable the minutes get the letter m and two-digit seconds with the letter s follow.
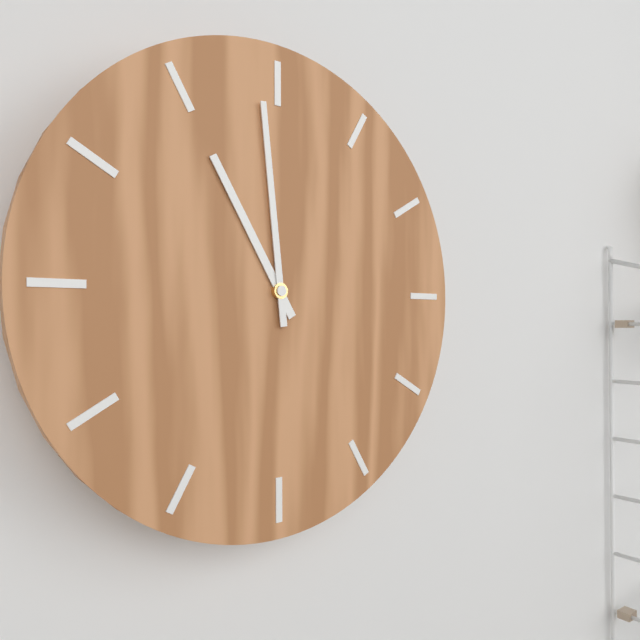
10h59
